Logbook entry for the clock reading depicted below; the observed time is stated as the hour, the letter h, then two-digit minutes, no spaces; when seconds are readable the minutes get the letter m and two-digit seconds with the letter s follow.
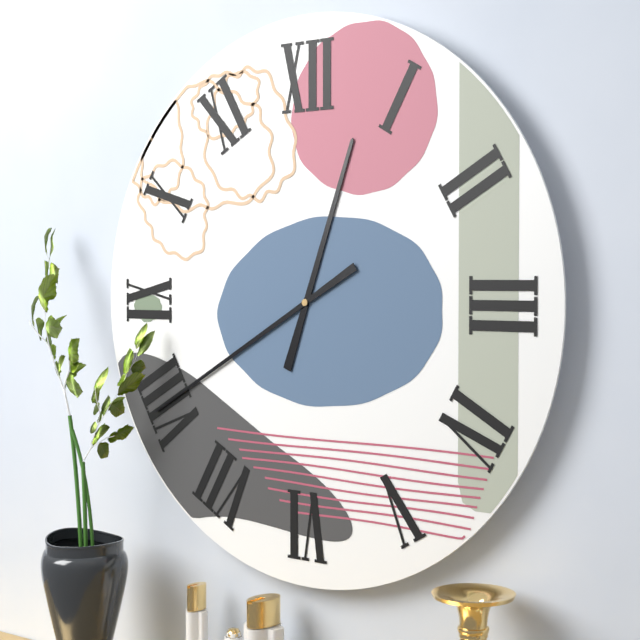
12h40
